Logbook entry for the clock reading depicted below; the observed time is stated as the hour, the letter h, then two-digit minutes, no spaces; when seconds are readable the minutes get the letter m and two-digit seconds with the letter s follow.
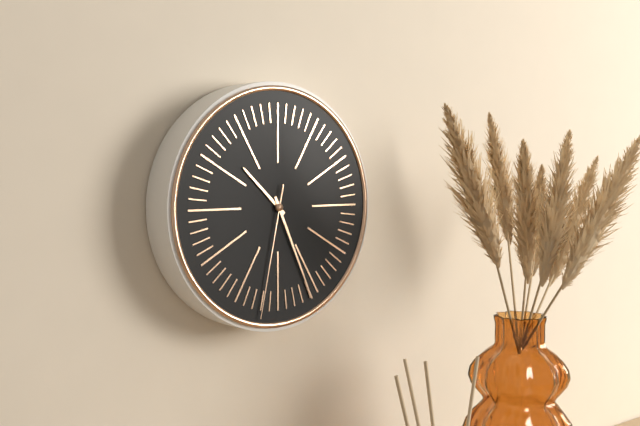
10h26m32s
